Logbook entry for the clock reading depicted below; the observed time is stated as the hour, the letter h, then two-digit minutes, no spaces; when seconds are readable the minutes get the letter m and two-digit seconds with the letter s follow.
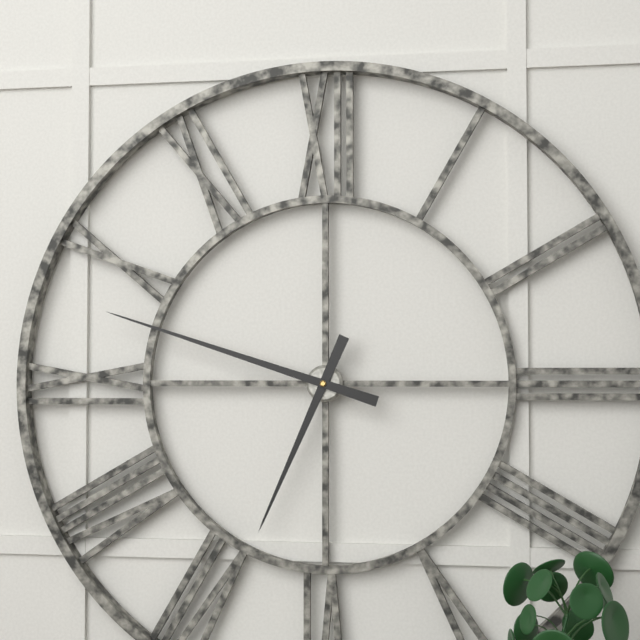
6h48
